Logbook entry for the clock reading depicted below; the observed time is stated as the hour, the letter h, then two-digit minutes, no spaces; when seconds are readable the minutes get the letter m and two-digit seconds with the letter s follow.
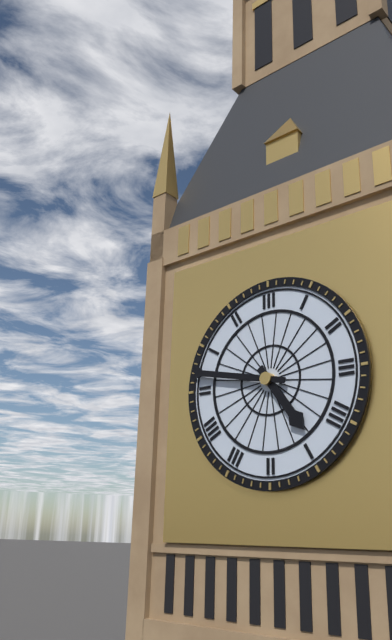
4h47
